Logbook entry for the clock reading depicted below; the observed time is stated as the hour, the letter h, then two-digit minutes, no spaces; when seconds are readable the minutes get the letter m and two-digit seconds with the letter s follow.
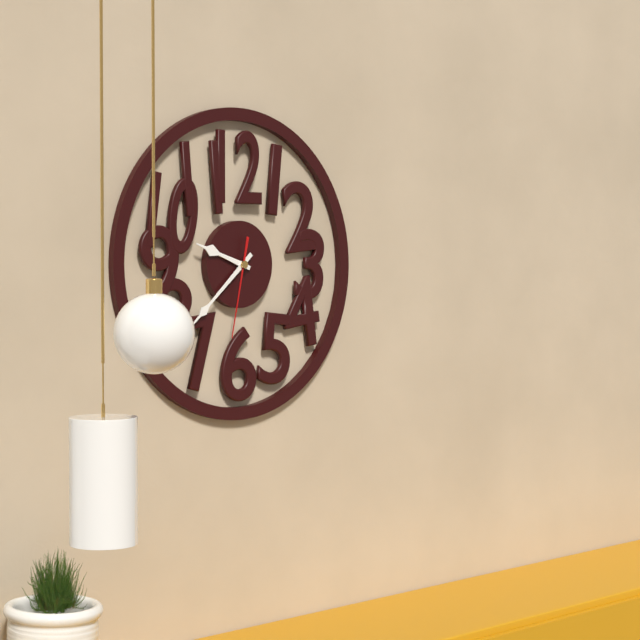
9h38m32s
